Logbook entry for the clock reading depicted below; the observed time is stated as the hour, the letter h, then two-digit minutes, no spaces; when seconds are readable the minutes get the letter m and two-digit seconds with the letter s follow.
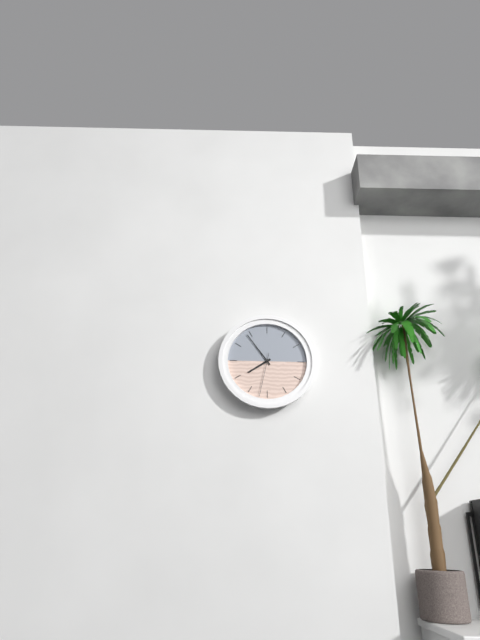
7h54
